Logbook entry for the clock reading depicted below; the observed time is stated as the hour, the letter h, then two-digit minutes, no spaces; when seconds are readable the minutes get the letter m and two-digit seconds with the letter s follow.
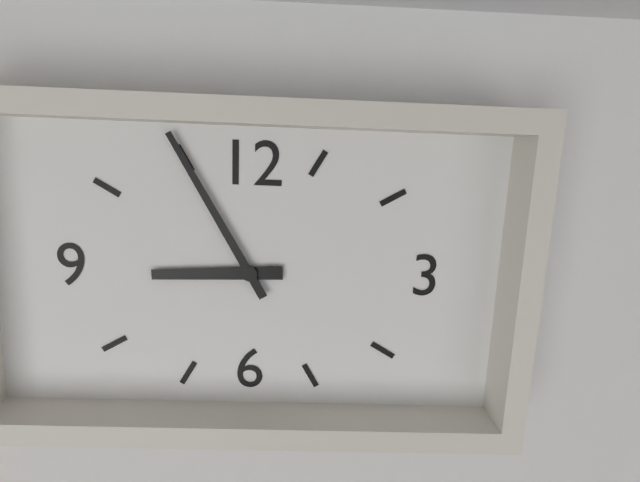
8h55
